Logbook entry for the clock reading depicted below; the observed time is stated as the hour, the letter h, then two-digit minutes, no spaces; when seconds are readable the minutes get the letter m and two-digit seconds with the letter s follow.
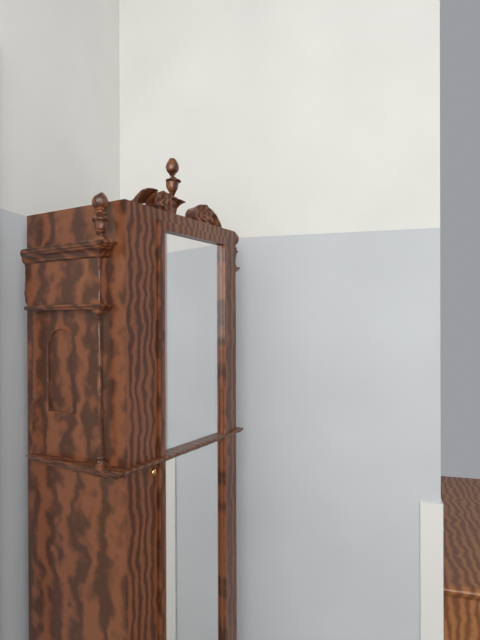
1h06
